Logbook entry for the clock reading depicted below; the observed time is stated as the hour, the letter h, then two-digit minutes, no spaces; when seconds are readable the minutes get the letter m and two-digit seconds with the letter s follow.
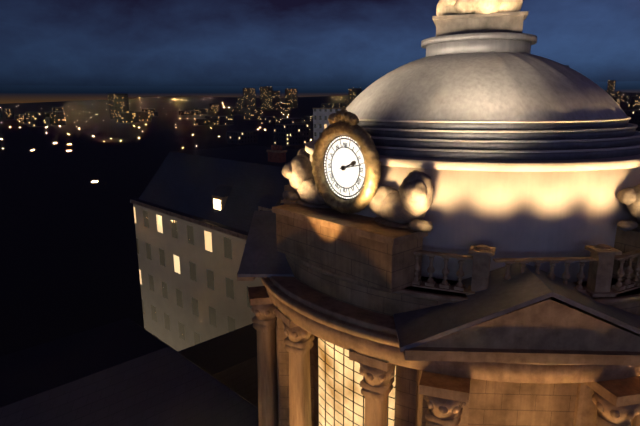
2h13
